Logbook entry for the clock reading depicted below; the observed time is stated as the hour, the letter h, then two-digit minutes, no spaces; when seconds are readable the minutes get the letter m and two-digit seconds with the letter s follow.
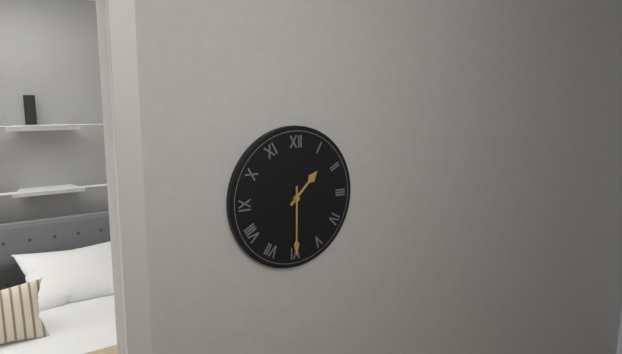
1h30
